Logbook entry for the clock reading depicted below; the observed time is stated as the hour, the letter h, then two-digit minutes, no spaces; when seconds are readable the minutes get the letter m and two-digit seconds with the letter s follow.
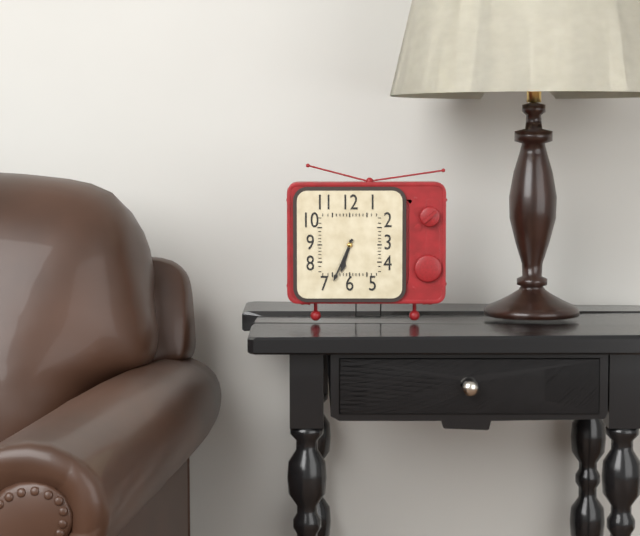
6h34
